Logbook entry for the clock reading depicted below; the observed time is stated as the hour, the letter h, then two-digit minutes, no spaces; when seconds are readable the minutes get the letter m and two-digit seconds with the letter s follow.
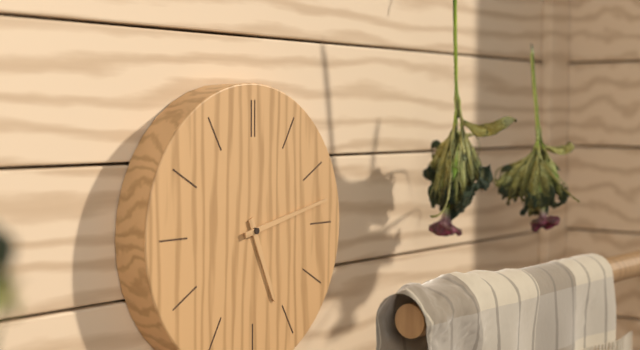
5h13
